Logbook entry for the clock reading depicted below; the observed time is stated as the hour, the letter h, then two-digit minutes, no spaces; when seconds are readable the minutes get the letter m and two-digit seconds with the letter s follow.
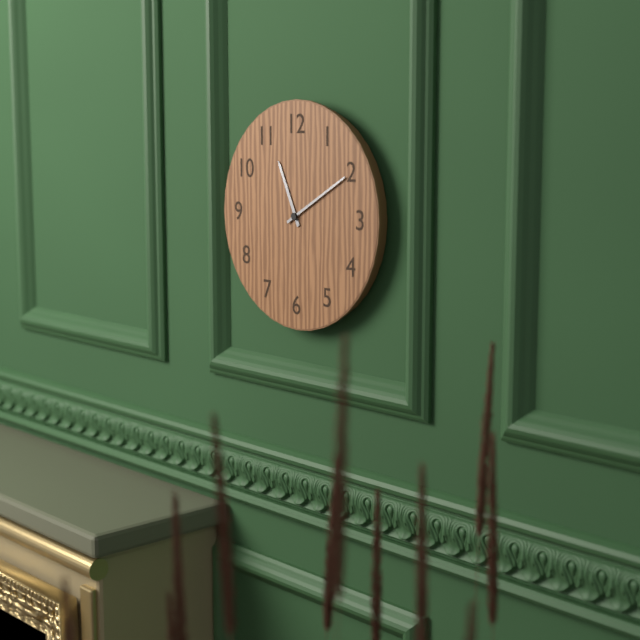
11h10
